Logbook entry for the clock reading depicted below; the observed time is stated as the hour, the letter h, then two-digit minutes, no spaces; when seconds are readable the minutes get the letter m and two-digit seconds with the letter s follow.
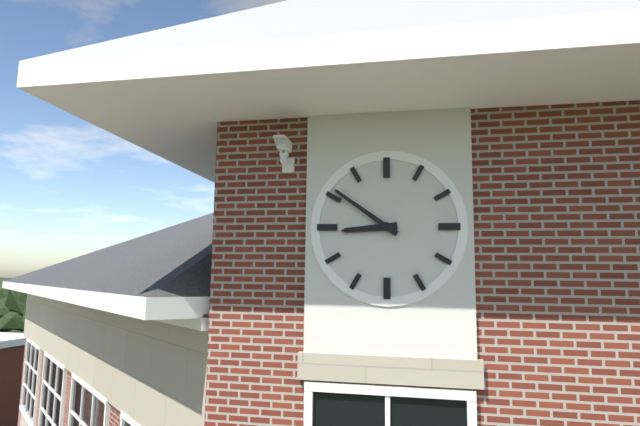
8h51
